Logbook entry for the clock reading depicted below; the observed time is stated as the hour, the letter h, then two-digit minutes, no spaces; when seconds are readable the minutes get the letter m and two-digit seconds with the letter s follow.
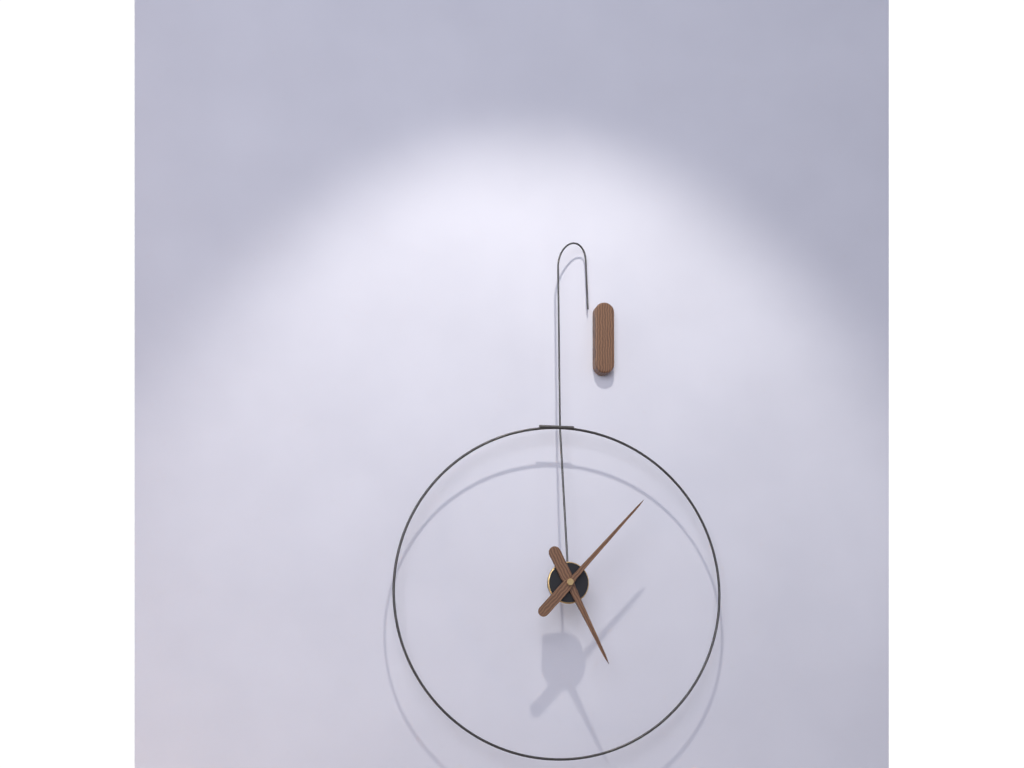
5h07
